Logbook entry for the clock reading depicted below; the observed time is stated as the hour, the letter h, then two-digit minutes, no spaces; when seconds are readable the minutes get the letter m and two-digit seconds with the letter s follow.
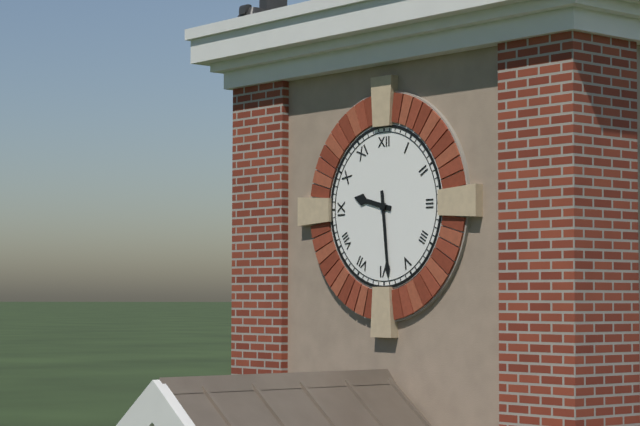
9h29
